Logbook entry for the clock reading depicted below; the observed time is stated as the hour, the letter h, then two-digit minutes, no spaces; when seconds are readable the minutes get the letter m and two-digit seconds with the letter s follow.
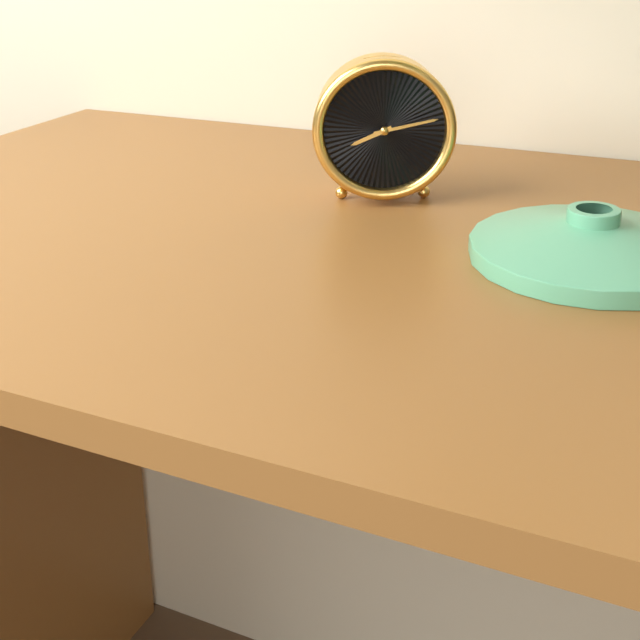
8h13
